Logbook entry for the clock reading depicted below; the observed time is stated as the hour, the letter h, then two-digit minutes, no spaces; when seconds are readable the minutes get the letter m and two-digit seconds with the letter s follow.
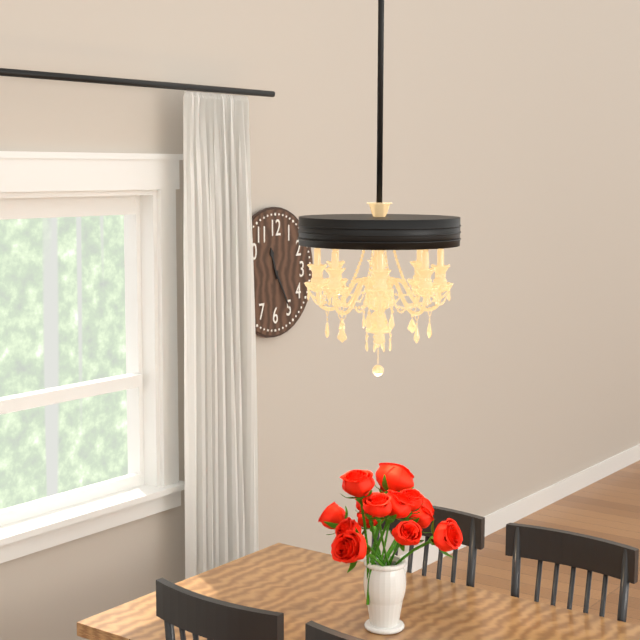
11h25
